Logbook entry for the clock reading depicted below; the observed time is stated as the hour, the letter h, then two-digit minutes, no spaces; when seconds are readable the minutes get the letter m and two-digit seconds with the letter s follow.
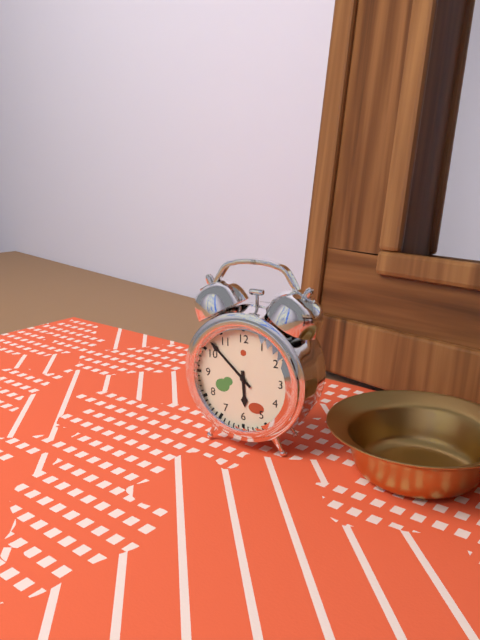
5h52
